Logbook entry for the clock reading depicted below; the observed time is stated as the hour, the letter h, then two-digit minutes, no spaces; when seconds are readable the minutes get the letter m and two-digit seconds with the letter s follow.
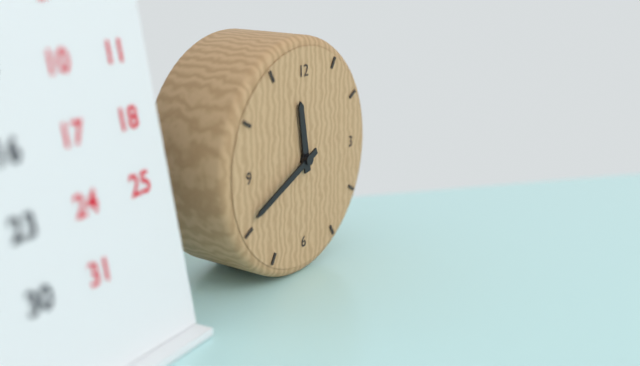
11h41
